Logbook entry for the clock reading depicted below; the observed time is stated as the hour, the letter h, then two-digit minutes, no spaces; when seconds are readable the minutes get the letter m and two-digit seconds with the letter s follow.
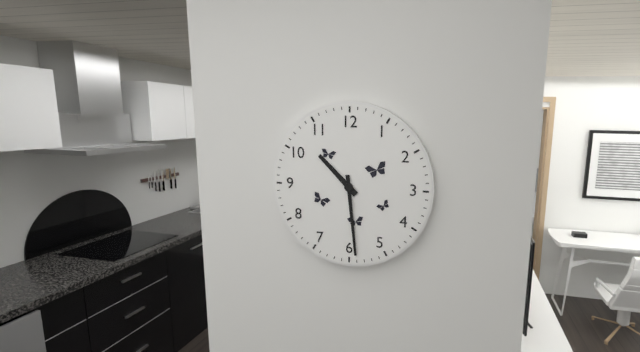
10h29
